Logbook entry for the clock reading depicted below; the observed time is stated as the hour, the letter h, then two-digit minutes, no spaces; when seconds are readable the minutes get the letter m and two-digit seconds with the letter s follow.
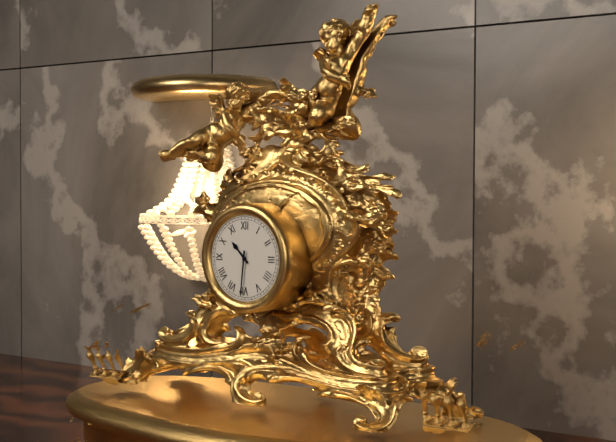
10h31
